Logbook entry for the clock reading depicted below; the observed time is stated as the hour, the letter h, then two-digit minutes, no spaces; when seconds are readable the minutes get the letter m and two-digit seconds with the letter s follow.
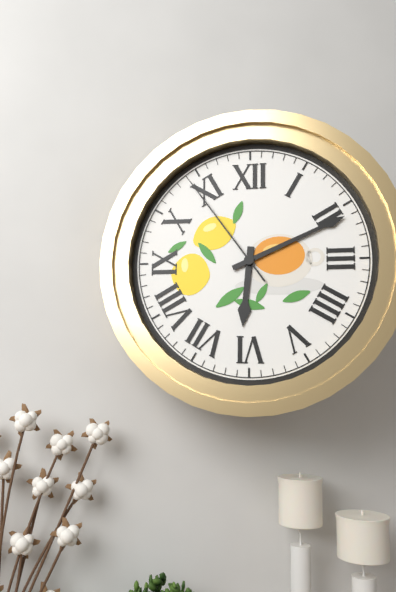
6h11m54s
